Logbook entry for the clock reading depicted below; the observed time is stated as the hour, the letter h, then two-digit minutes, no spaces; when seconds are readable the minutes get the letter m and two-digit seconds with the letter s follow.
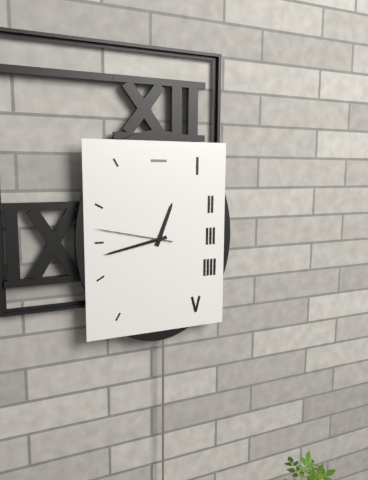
12h43m47s
